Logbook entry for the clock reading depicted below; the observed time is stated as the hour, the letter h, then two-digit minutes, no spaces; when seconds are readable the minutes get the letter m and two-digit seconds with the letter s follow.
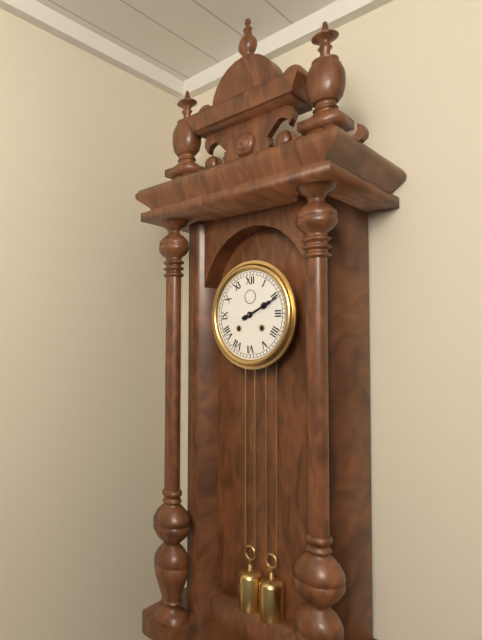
2h11
